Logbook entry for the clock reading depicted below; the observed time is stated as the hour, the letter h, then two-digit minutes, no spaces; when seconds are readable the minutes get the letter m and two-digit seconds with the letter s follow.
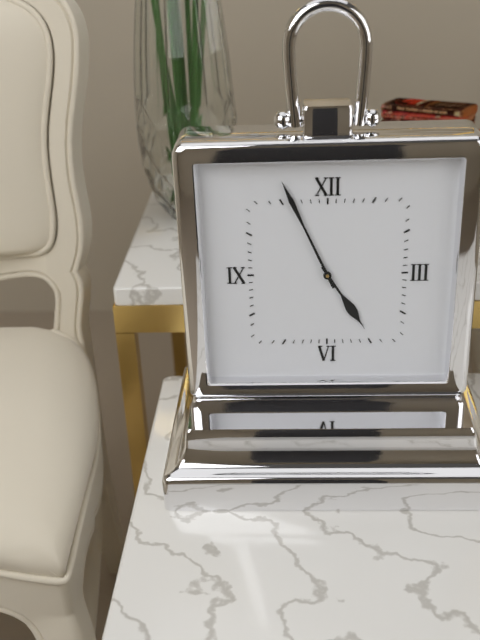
4h56
